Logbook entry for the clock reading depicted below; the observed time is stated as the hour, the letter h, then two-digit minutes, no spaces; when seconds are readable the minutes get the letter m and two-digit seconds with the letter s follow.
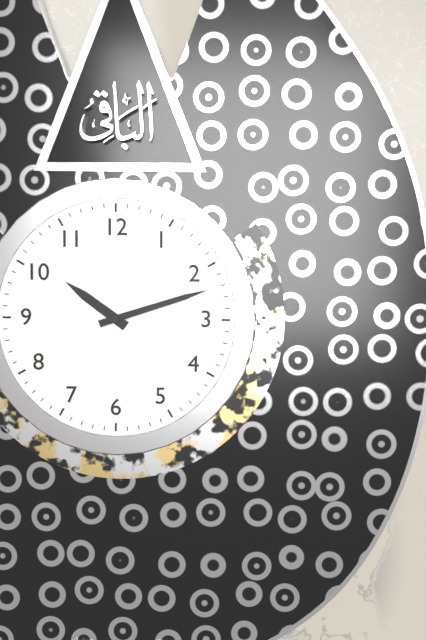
10h12
